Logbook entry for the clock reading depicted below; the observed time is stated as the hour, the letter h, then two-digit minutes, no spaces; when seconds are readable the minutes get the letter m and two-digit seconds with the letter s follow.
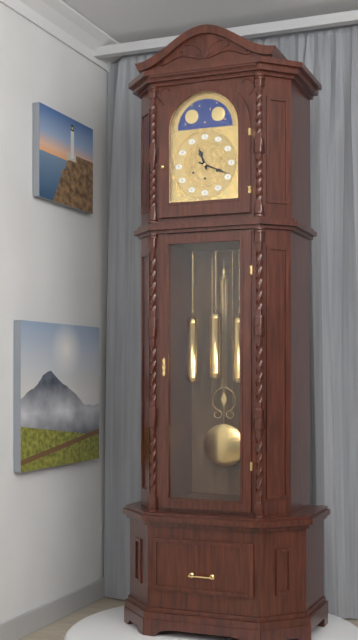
11h19
